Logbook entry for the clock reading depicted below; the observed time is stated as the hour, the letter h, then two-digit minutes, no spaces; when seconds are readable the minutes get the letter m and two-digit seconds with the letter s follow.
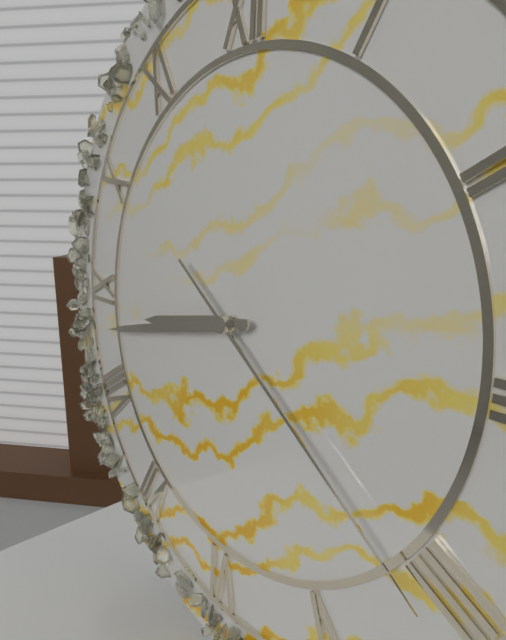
8h43m21s
